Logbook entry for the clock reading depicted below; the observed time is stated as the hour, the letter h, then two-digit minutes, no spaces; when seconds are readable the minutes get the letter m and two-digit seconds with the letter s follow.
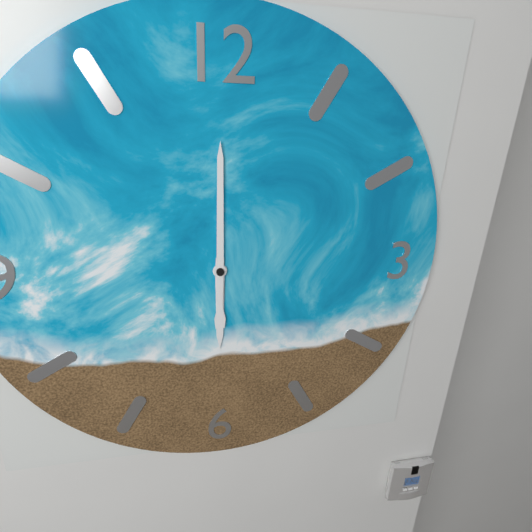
6h00
